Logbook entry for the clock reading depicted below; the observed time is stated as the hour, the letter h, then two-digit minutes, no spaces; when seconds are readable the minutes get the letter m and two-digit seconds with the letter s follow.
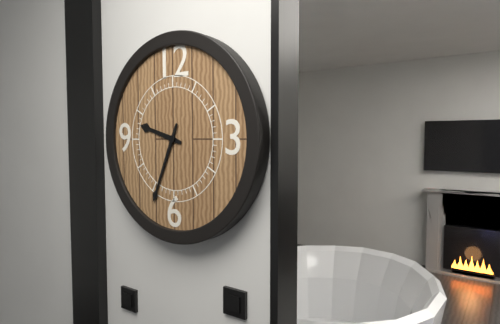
9h34
